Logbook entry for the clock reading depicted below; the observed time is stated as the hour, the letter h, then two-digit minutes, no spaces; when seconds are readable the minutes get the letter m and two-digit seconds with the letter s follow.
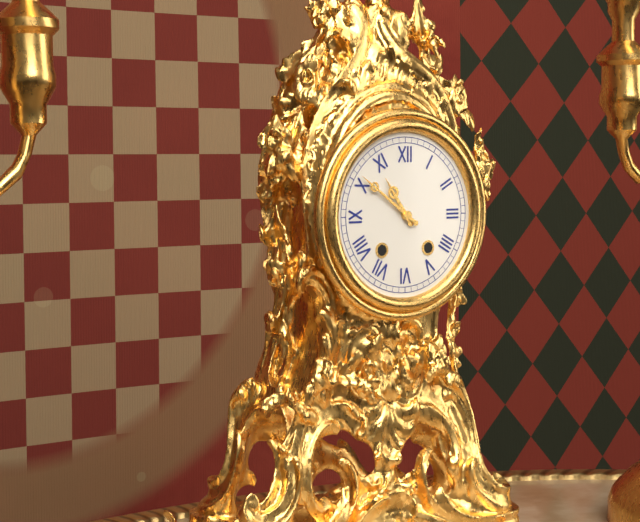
10h51
